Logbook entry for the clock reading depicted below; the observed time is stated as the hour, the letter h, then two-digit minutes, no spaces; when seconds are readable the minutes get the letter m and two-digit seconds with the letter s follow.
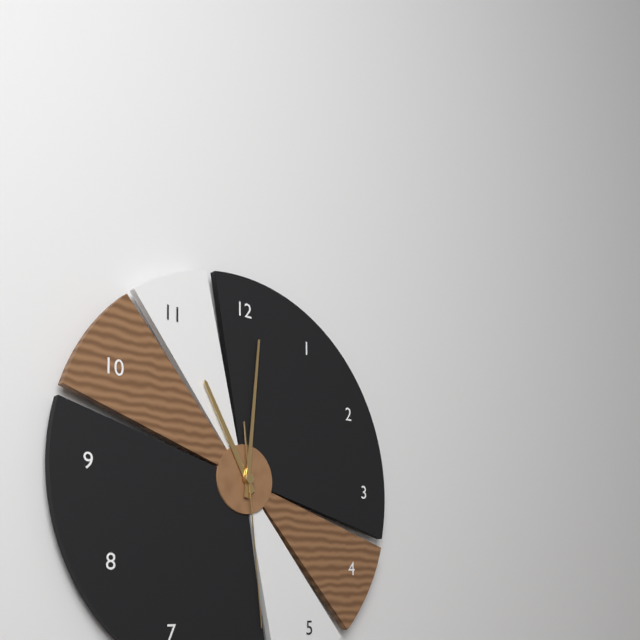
11h01m29s
